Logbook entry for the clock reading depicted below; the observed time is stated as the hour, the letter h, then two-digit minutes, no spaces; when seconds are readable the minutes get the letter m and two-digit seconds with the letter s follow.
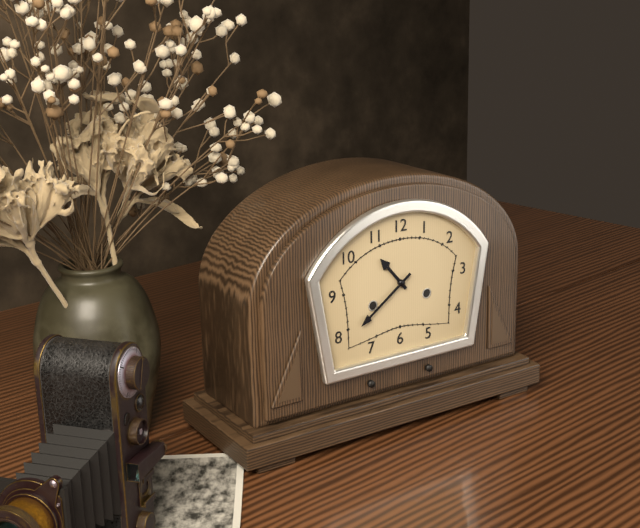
10h39
